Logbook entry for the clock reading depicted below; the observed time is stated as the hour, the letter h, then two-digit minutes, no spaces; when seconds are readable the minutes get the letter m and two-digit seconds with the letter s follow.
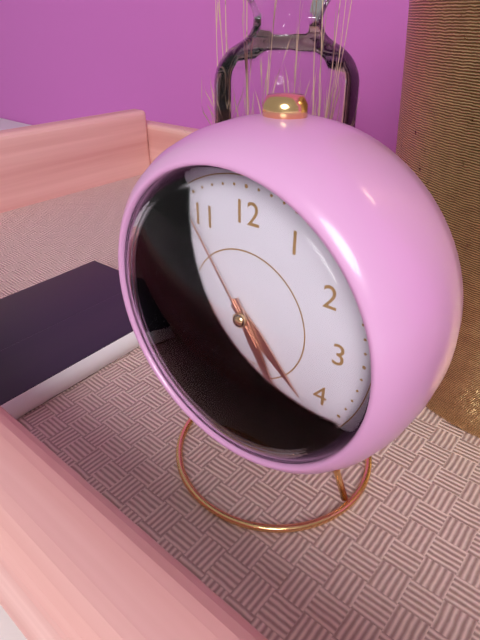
4h25m54s
